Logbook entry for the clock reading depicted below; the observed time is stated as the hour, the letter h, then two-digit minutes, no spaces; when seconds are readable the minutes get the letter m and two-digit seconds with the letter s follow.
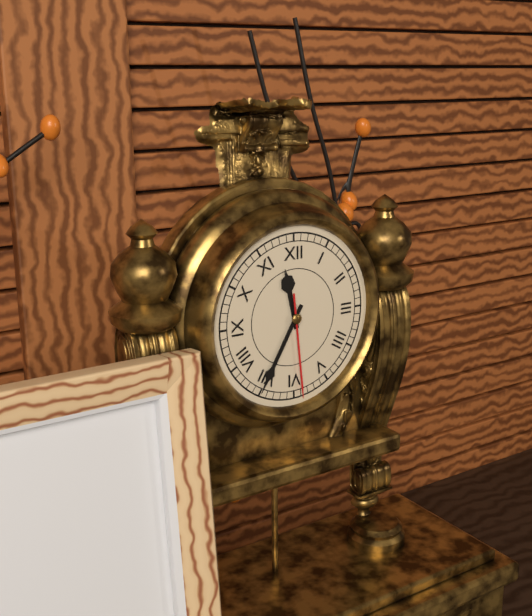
11h35m29s
